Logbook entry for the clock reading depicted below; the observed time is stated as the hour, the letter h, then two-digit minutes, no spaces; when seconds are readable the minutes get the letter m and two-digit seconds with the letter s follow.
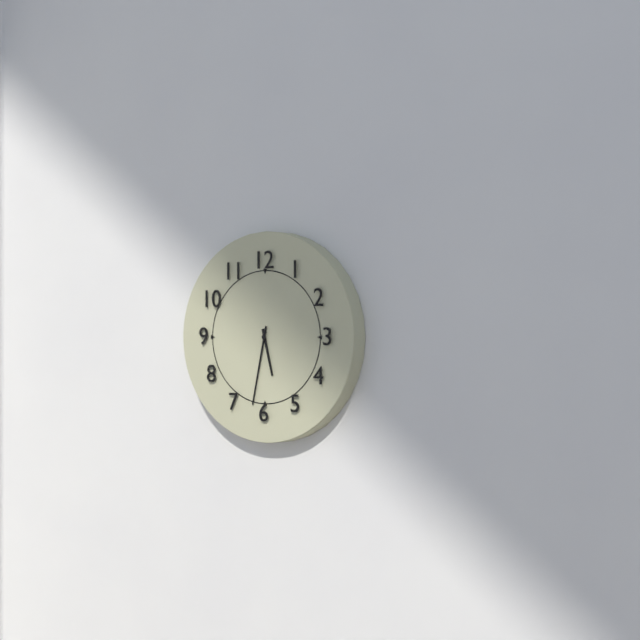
5h32
